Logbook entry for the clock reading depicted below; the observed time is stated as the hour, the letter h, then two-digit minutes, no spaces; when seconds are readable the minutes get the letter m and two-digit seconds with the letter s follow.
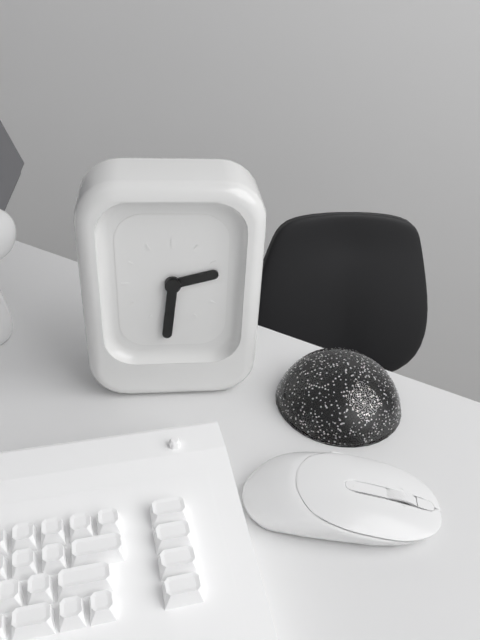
2h31
